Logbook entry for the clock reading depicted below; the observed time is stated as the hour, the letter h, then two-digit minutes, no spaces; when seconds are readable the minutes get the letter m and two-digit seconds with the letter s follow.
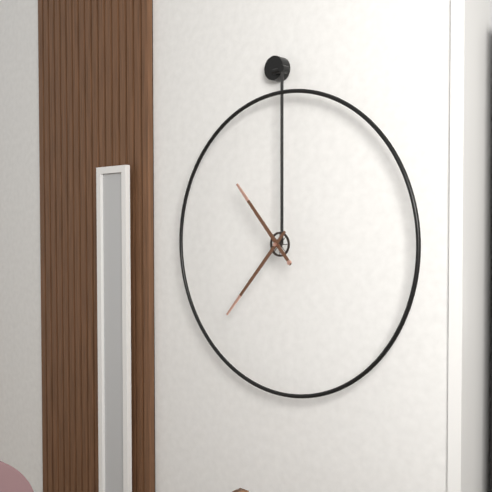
10h37
